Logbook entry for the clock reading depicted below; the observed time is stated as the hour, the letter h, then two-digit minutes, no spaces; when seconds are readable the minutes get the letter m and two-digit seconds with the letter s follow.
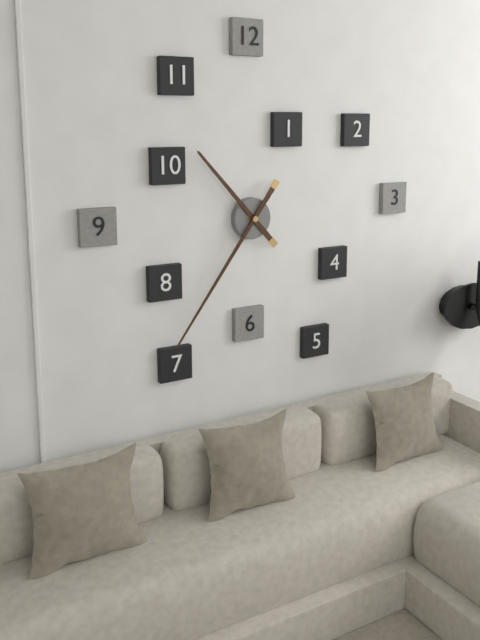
10h36
